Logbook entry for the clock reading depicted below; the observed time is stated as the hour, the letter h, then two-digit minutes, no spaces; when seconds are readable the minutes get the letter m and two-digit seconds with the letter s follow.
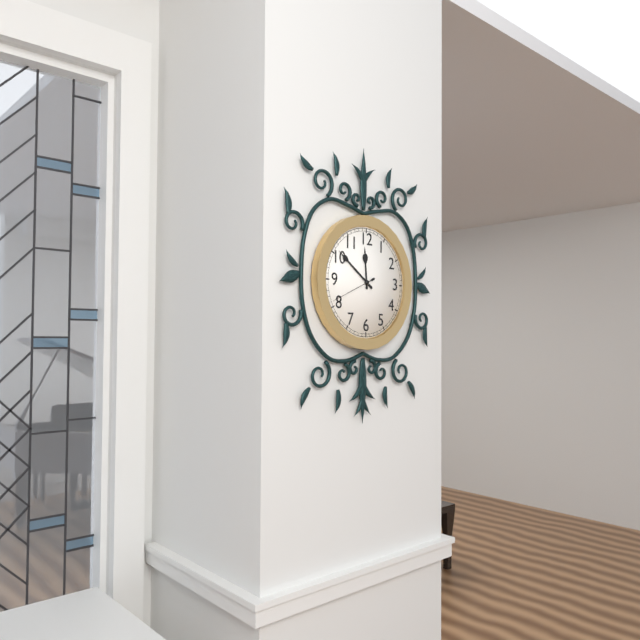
11h51
